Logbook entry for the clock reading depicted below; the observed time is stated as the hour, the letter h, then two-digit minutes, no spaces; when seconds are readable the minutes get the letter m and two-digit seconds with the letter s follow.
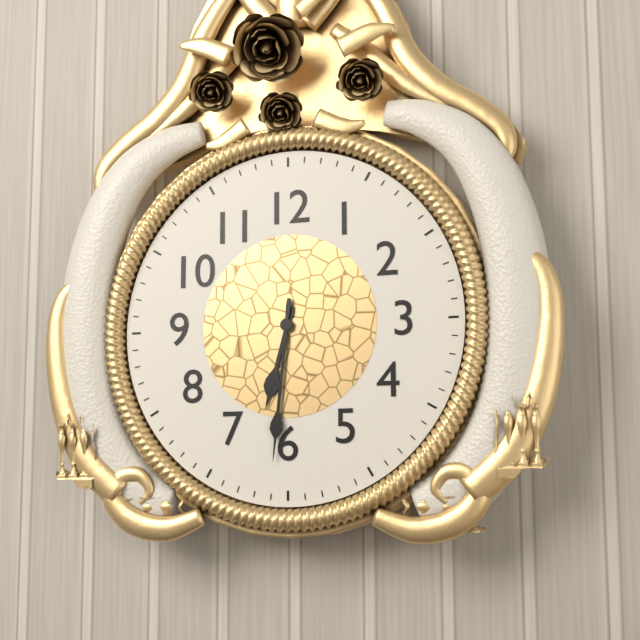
6h31
